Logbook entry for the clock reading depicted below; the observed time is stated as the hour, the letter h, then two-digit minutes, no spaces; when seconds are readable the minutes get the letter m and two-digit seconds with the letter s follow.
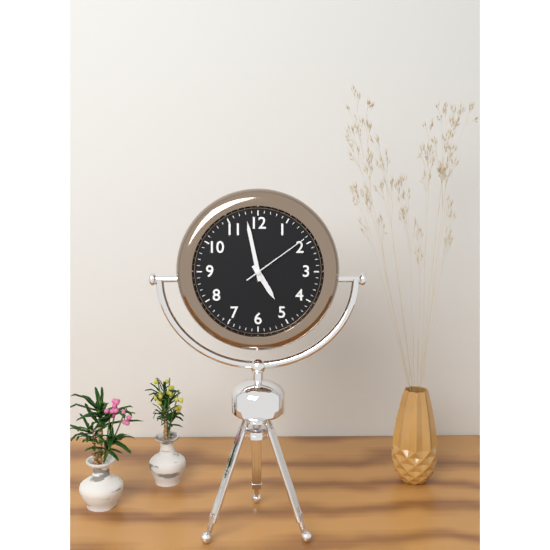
4h58m09s
